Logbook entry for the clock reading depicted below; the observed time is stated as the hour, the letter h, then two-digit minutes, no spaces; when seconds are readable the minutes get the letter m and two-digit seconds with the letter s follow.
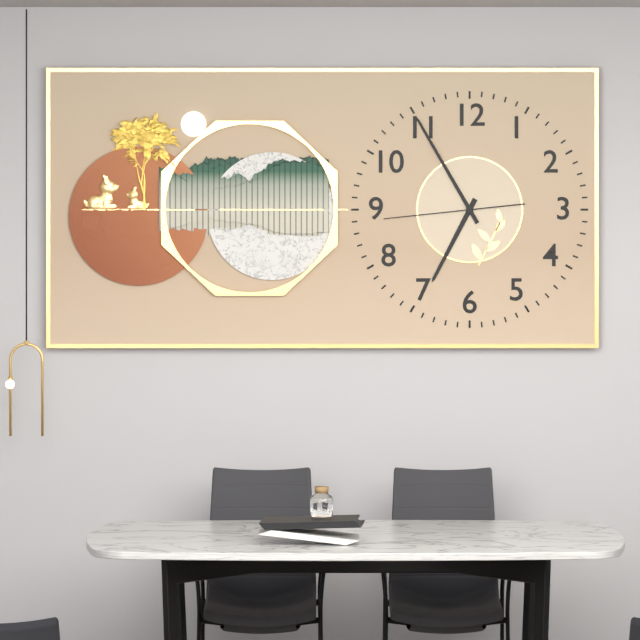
6h55m44s
